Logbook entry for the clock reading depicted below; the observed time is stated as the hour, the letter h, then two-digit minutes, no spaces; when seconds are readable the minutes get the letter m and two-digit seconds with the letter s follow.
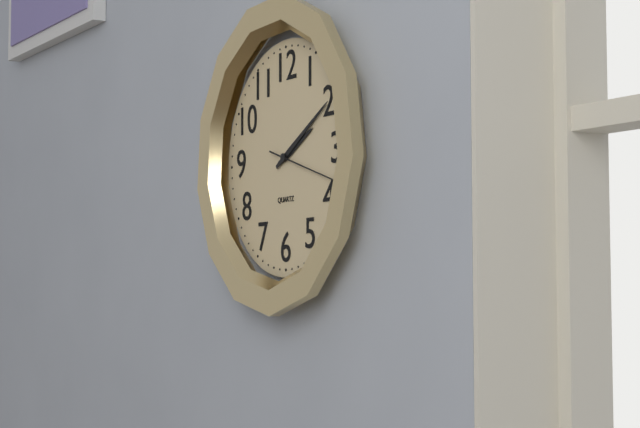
2h10m18s
